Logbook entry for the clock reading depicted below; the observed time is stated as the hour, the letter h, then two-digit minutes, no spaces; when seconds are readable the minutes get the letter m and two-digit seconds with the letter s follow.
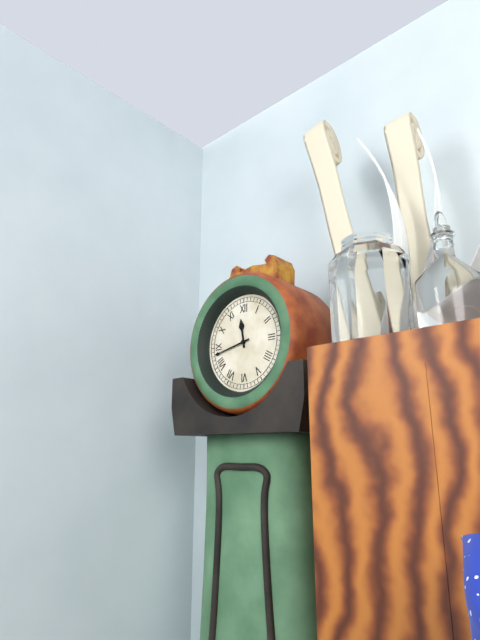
11h43
